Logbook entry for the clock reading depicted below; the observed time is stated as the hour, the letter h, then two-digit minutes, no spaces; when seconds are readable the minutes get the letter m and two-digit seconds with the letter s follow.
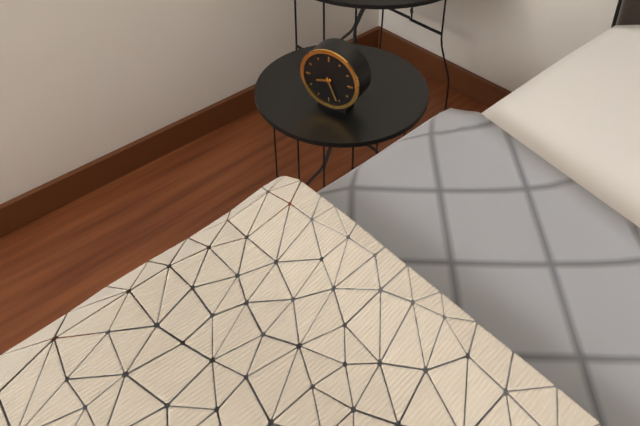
8h26
